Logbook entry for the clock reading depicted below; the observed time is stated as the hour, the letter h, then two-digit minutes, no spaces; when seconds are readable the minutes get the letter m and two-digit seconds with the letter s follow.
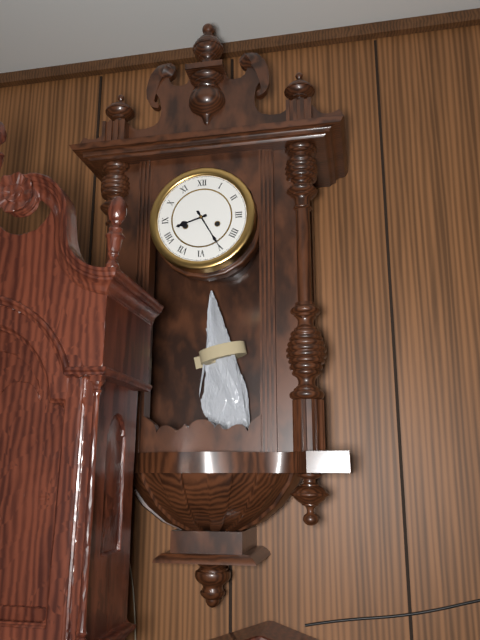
8h25
